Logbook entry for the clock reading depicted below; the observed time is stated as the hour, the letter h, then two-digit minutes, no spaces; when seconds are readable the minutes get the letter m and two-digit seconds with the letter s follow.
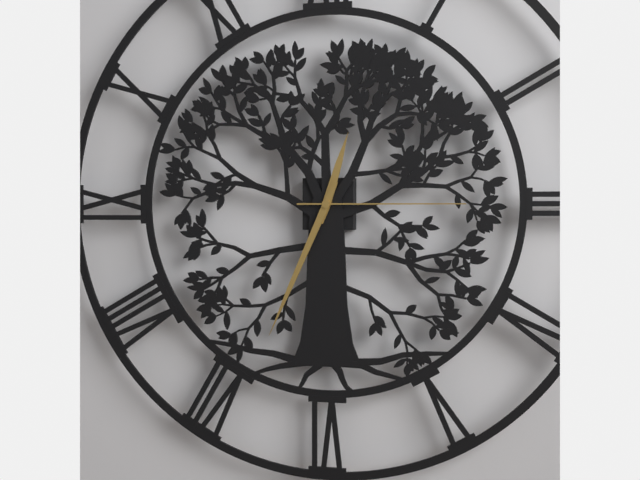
12h34m15s
